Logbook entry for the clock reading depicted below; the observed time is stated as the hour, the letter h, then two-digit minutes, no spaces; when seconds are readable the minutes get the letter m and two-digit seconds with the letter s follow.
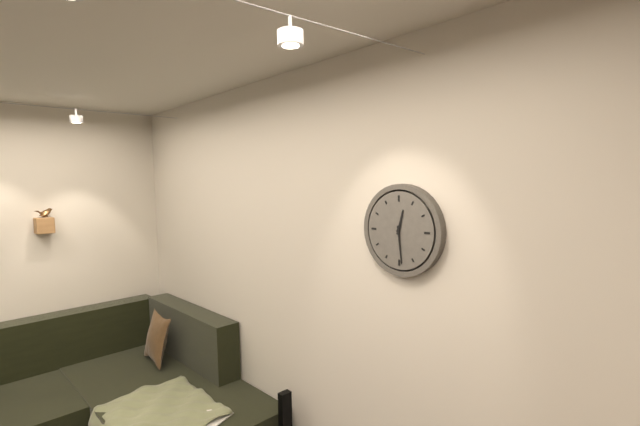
12h29
